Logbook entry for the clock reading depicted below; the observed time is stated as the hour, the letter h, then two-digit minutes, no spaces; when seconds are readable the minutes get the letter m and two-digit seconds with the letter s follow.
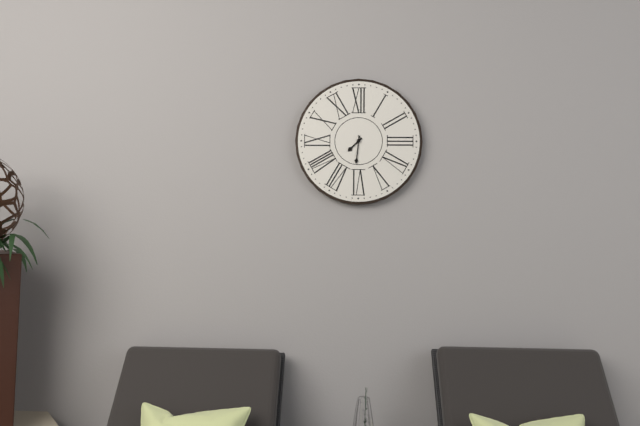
7h31
